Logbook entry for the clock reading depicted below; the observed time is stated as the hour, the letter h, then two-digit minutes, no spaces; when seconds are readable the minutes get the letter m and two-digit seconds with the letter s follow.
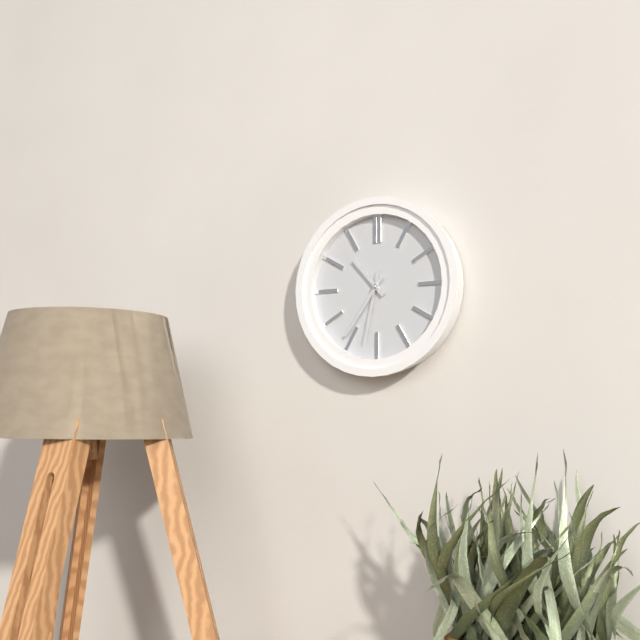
10h36m32s
